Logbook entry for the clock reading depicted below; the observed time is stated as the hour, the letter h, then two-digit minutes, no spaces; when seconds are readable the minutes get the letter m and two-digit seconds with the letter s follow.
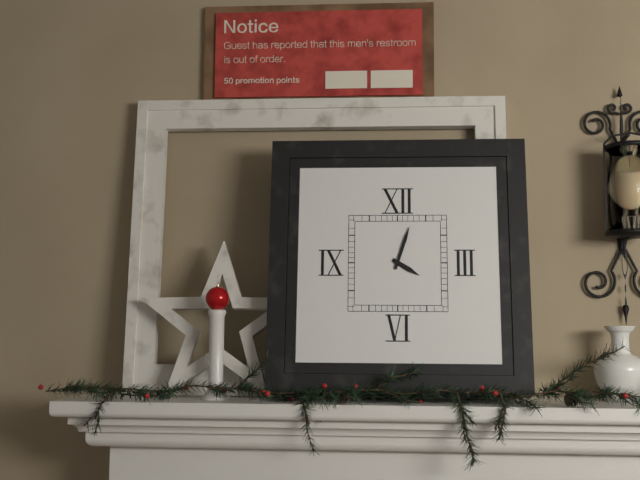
4h03
